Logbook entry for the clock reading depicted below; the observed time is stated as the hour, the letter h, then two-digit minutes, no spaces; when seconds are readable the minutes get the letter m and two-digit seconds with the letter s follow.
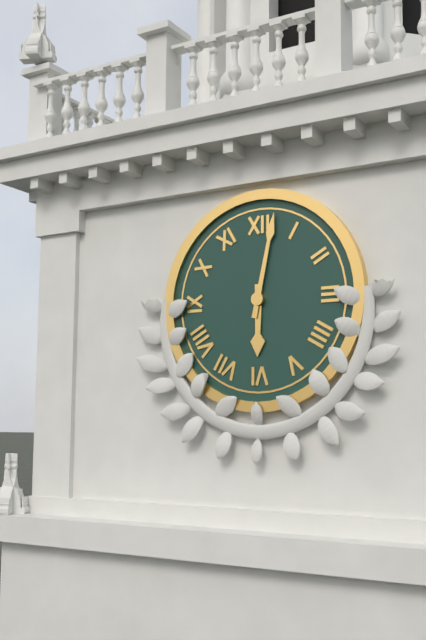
6h02
